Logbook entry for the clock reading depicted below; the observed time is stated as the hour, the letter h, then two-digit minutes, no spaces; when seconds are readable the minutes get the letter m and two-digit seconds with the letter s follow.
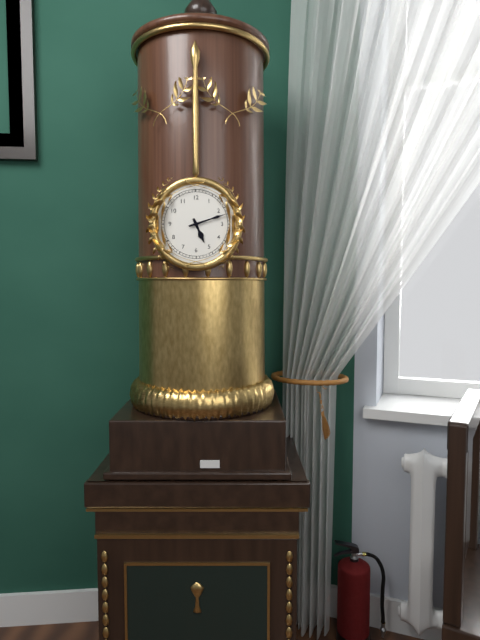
5h12
